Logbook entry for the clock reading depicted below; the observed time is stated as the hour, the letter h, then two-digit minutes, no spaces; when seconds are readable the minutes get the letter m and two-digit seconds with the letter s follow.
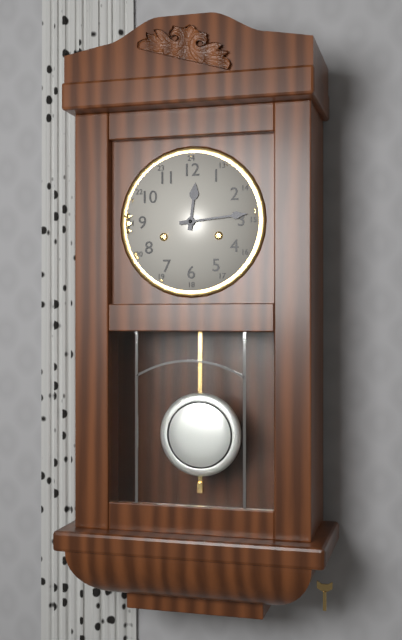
12h14
